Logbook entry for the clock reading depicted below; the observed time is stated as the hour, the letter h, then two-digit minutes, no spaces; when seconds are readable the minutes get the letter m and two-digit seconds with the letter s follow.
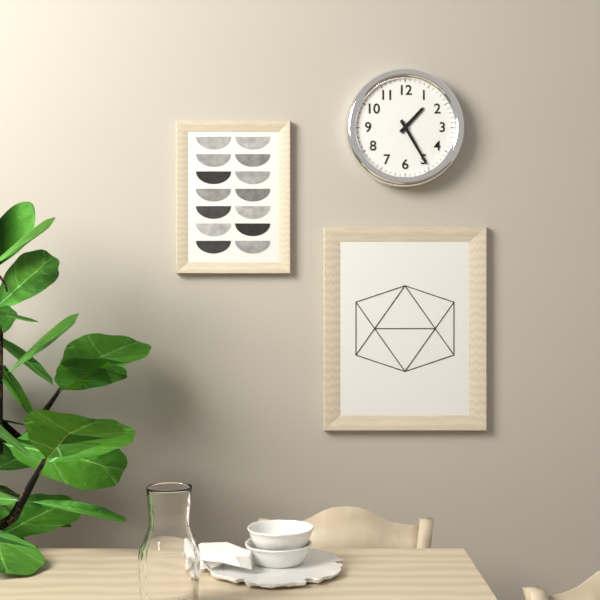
1h25
